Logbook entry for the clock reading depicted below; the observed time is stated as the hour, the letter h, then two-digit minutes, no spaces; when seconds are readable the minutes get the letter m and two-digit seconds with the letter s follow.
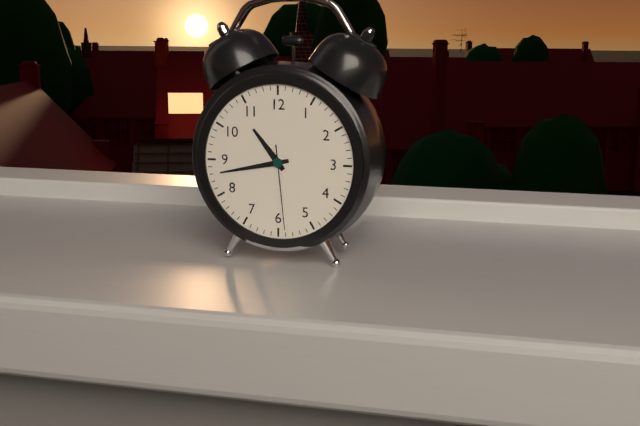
10h43m29s
